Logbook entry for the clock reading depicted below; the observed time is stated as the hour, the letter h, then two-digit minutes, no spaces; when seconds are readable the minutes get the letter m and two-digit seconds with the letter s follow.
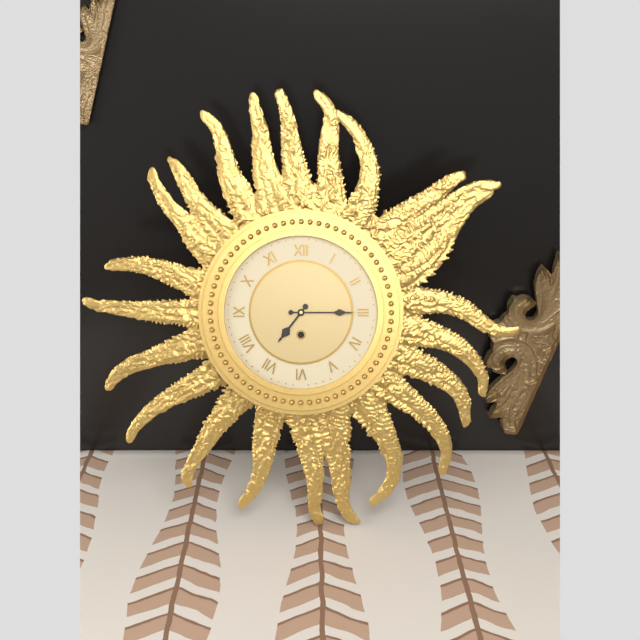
7h15
